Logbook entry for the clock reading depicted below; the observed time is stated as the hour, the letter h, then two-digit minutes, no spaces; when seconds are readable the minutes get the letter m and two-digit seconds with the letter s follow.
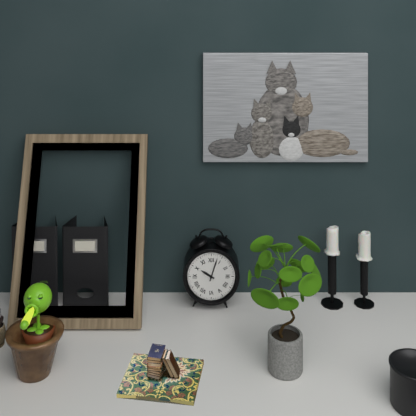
10h03
